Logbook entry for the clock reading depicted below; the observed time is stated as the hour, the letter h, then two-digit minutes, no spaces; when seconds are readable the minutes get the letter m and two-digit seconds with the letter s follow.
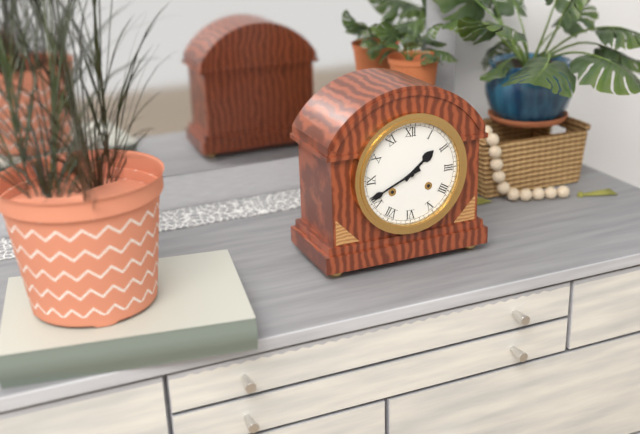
1h41
